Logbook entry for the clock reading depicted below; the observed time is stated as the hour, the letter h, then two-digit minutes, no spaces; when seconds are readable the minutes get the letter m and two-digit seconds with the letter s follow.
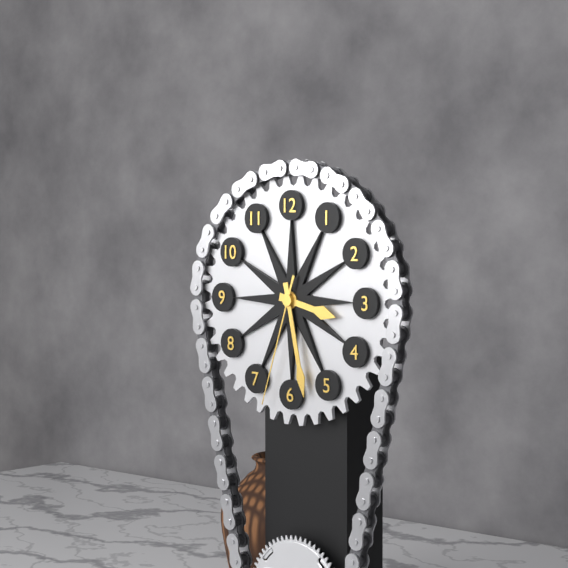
3h28m33s
